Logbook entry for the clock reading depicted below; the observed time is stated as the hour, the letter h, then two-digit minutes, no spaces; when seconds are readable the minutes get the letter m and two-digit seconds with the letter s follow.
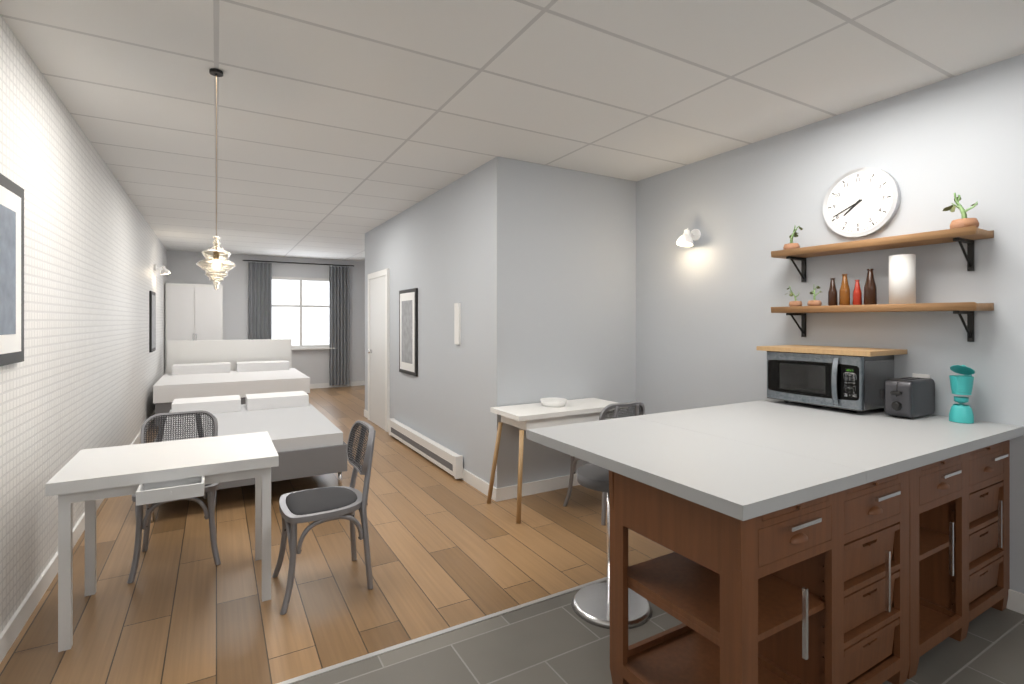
7h41
